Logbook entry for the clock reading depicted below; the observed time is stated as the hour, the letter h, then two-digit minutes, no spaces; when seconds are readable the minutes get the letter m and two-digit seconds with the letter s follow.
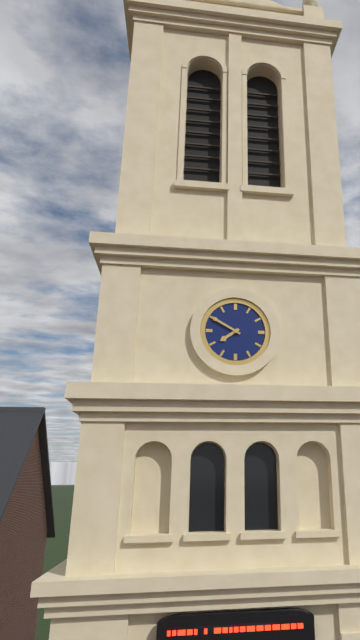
7h50
